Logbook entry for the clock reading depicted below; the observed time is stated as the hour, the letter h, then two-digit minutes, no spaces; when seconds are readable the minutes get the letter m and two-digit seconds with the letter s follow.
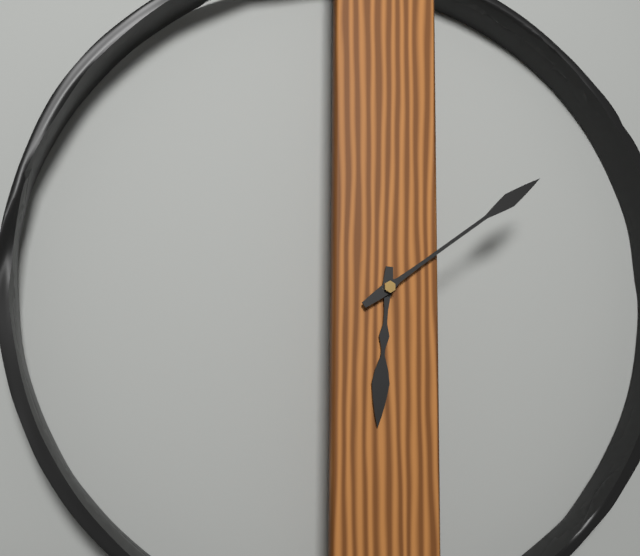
6h09
